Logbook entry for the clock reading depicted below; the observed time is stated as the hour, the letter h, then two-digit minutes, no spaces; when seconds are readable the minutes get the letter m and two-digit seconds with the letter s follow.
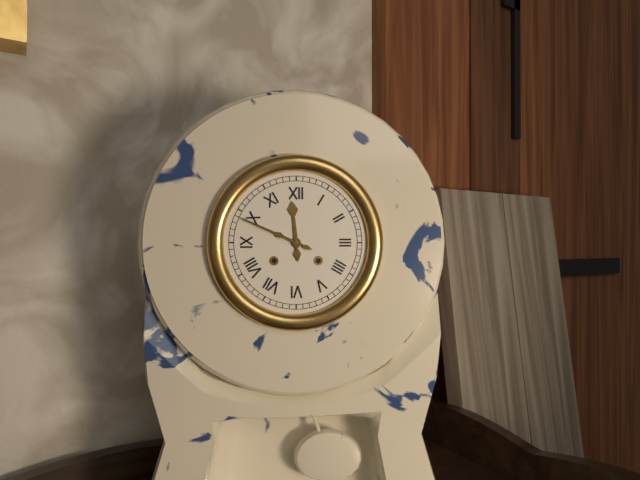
11h49
